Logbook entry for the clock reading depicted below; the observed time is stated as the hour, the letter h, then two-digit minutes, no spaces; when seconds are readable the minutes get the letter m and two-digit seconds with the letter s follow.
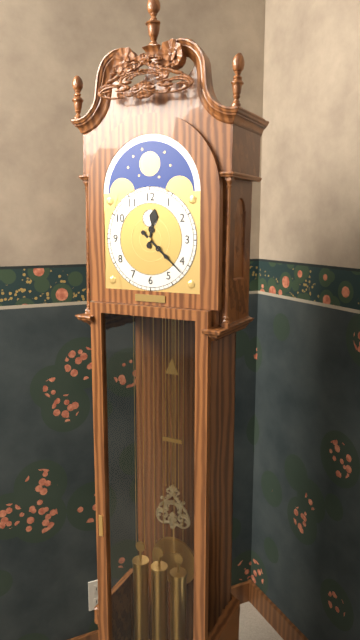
12h22
